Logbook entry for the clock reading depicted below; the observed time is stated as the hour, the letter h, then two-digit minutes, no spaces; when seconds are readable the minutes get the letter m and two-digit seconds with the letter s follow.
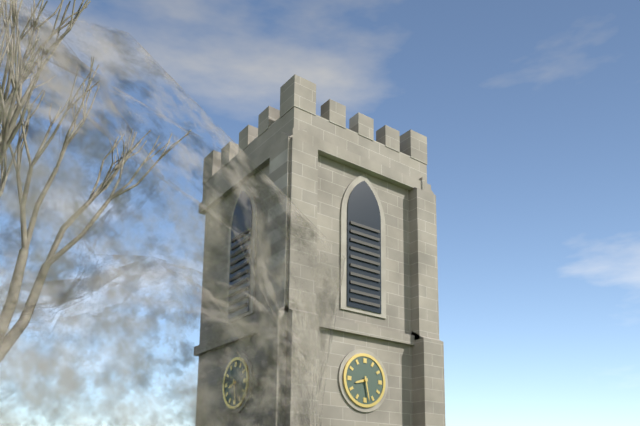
8h28
